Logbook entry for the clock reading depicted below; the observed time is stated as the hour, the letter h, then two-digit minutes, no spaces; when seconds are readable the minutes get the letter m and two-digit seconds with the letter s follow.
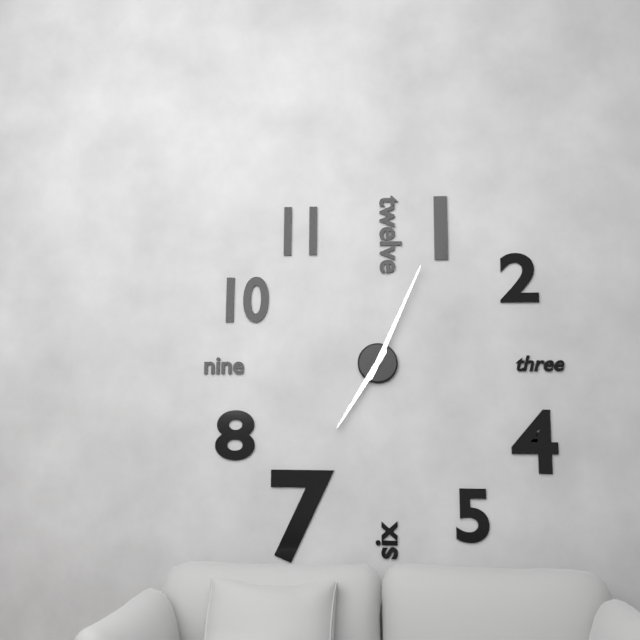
7h04
